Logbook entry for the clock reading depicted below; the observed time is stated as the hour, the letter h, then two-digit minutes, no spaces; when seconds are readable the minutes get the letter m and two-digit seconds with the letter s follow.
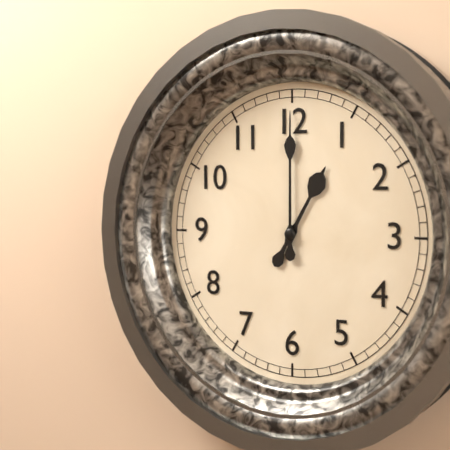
1h00
